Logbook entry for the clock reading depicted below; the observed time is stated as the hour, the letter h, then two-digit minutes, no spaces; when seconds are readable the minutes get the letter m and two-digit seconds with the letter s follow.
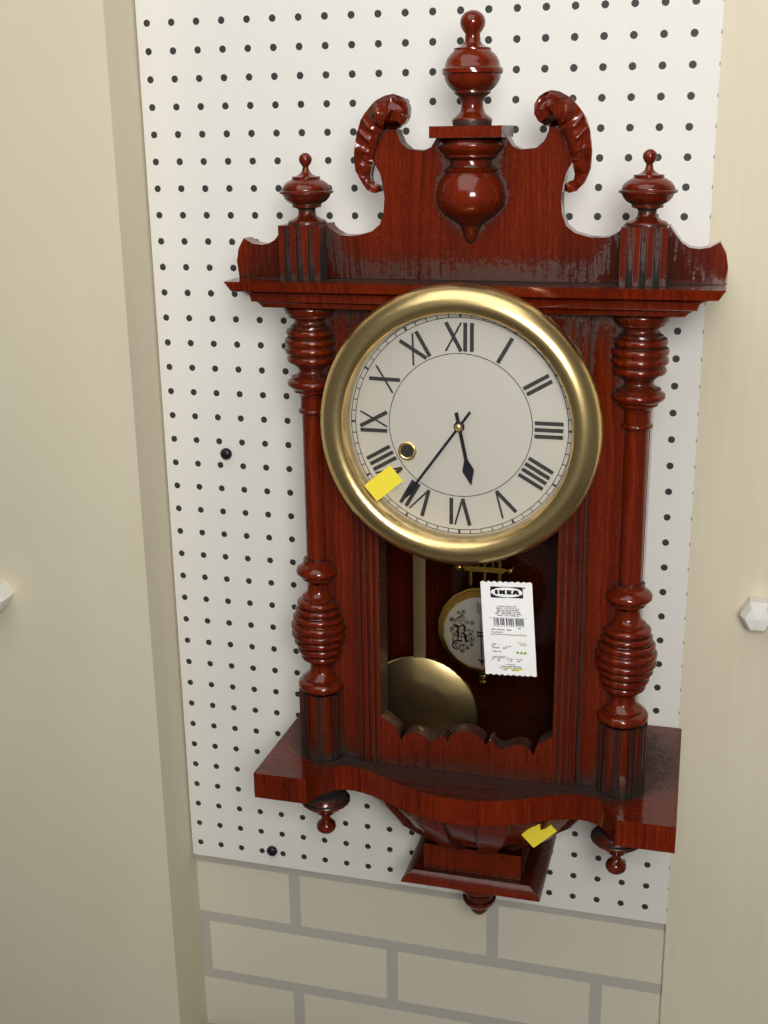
5h36
